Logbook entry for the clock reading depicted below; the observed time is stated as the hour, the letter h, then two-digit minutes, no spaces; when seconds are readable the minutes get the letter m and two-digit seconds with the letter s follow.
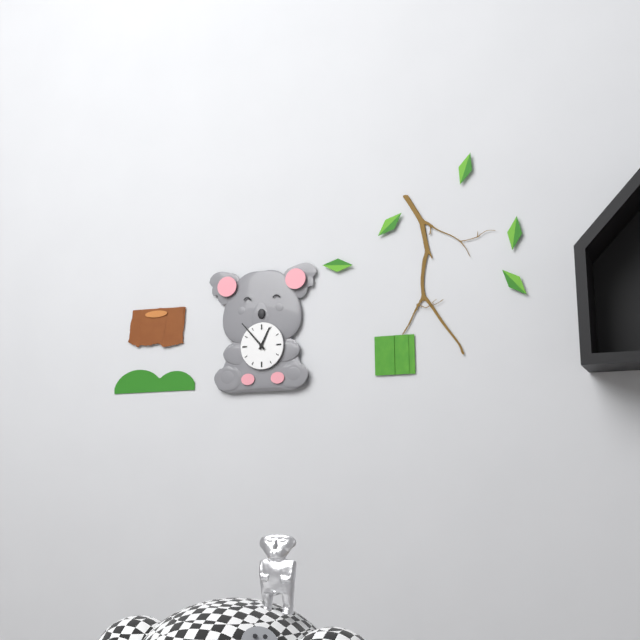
12h53
